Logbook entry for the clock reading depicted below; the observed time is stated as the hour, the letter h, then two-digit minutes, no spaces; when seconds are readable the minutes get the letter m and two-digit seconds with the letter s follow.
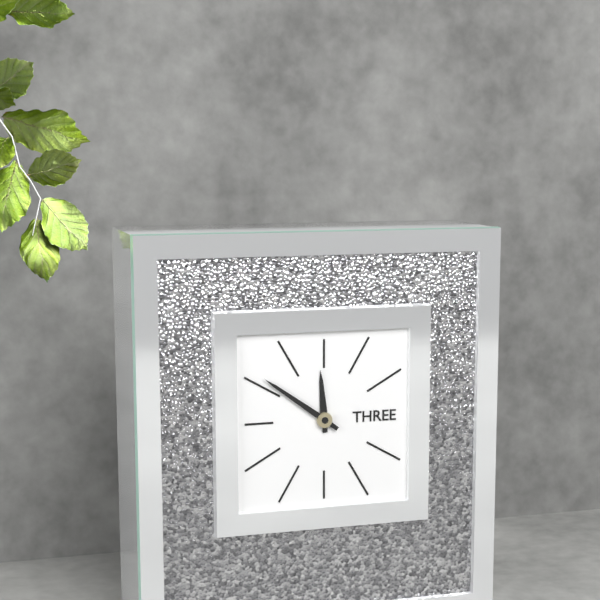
11h51
